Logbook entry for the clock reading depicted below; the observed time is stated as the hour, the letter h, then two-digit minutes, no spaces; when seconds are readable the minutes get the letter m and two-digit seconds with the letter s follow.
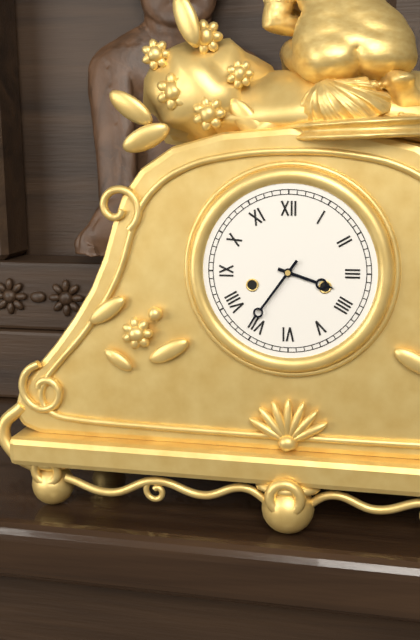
3h36
